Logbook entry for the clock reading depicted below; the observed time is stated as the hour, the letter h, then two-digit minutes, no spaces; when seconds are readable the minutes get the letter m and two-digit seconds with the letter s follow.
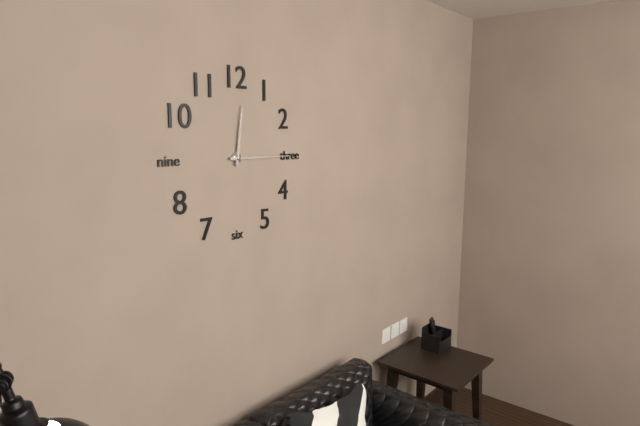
12h15
